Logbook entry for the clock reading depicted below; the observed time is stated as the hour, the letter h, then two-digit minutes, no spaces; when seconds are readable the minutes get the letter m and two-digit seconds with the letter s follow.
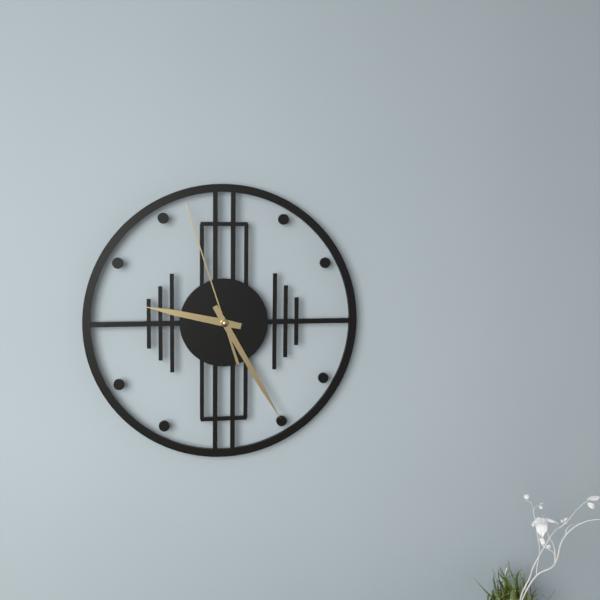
9h25m57s
